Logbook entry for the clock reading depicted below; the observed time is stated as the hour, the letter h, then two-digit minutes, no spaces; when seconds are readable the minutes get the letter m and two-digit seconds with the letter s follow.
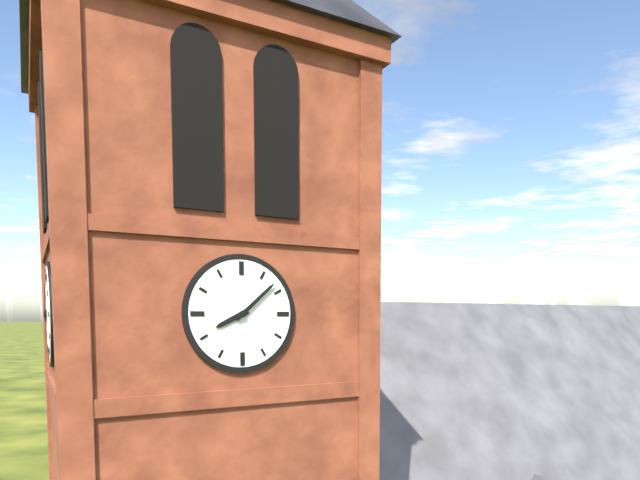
8h08
